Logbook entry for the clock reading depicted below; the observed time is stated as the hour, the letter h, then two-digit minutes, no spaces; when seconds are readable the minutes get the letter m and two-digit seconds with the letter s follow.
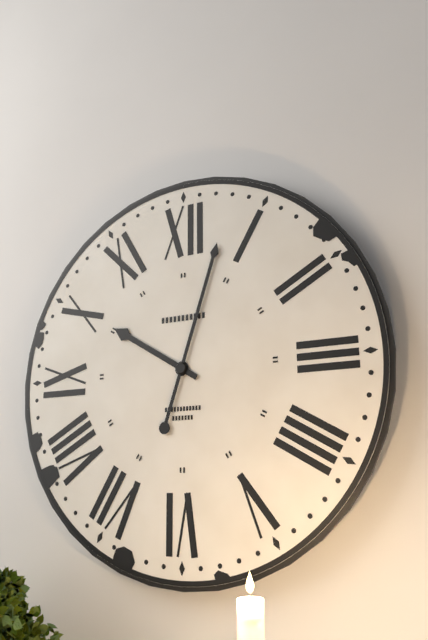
10h03
